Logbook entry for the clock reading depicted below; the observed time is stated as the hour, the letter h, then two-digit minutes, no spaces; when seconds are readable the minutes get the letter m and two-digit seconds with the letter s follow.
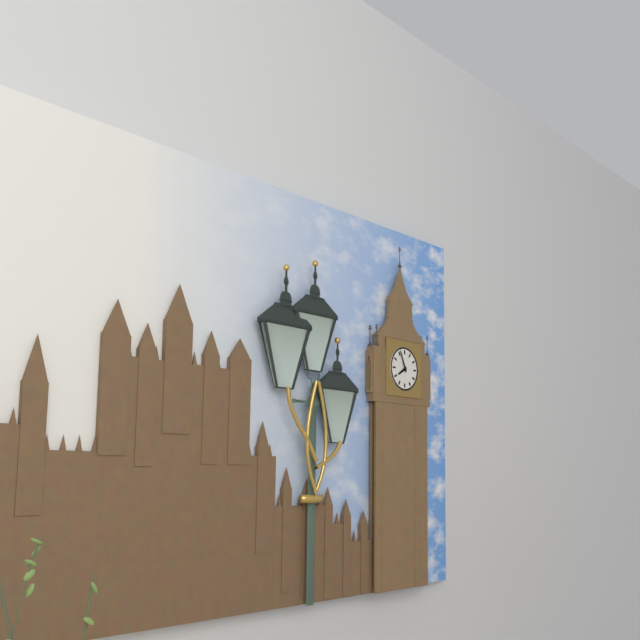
7h56
